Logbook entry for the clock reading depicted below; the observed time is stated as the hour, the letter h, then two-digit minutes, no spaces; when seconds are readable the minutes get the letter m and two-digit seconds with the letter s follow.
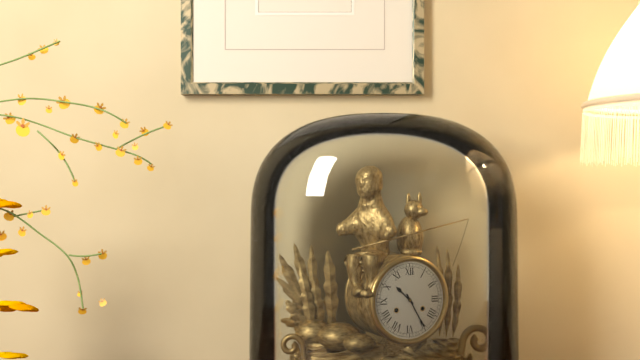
10h25
